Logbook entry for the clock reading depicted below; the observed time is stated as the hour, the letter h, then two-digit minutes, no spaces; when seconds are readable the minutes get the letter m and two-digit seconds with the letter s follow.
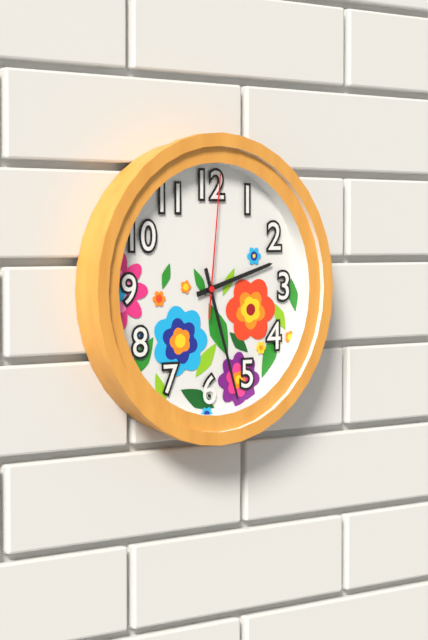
2h27m01s
